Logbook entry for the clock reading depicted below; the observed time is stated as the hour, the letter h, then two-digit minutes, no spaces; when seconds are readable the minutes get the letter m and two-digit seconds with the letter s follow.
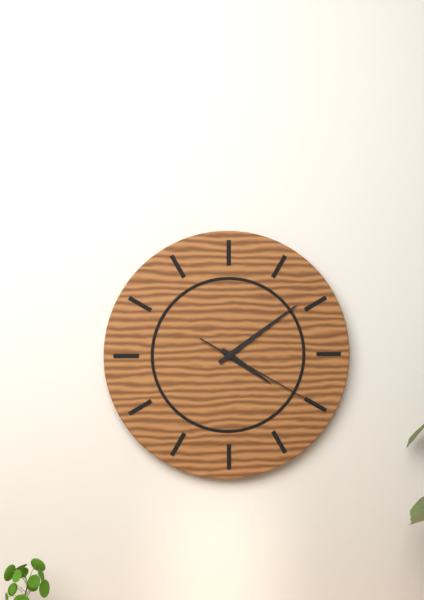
4h09m20s
